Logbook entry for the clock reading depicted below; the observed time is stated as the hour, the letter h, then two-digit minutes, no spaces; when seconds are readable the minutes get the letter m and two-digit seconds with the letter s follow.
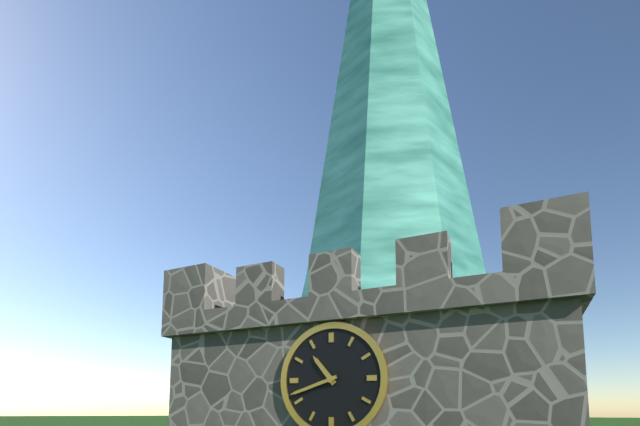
10h42
